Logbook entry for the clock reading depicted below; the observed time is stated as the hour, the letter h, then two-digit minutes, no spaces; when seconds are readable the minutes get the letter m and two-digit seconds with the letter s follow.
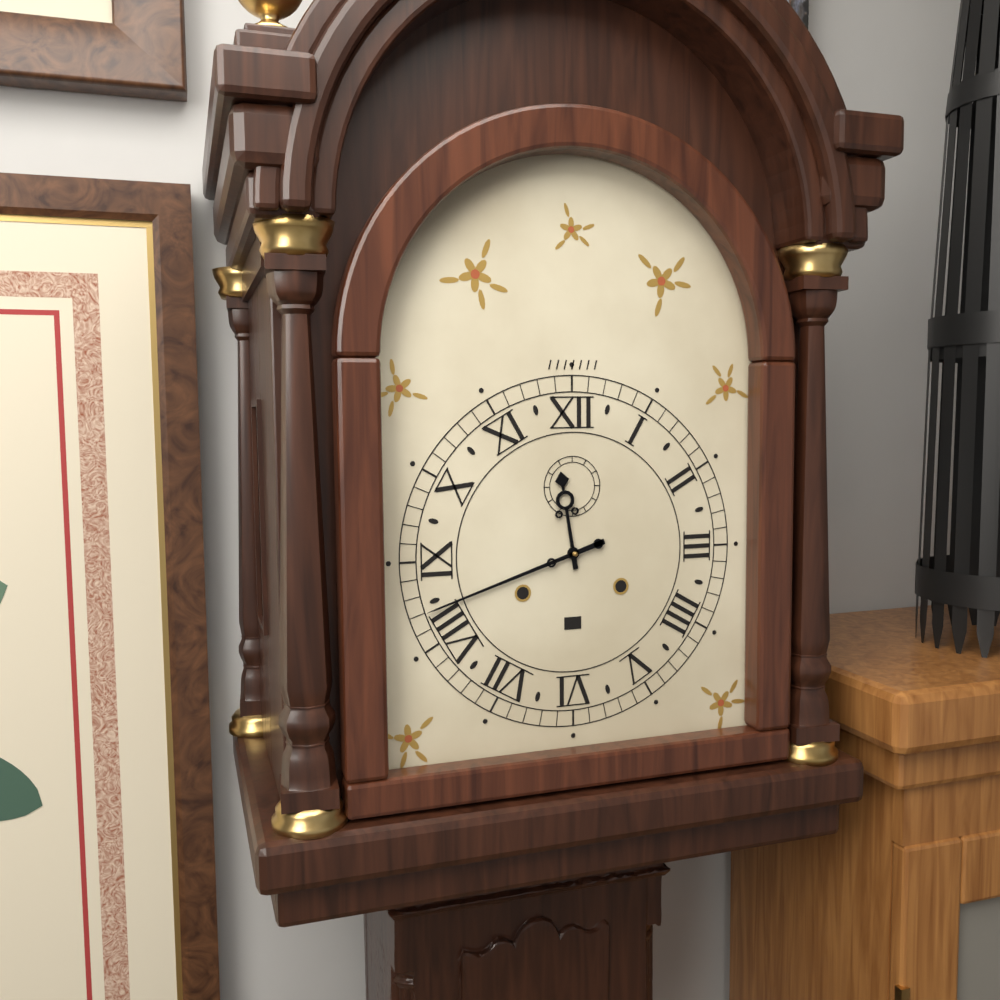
11h42
